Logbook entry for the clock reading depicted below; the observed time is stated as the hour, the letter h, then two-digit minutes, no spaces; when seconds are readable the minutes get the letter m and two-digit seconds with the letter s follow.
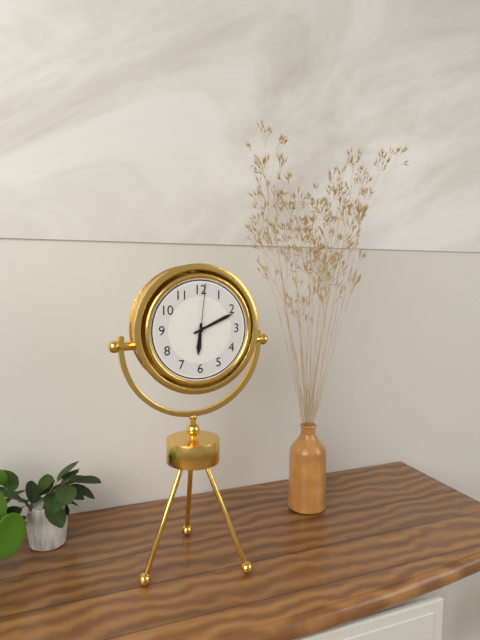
6h11m01s
